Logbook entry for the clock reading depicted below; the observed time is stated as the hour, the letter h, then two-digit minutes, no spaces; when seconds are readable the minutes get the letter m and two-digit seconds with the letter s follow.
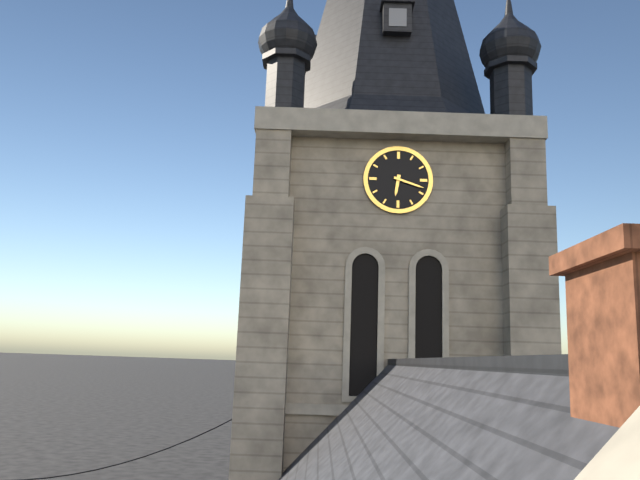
6h18
